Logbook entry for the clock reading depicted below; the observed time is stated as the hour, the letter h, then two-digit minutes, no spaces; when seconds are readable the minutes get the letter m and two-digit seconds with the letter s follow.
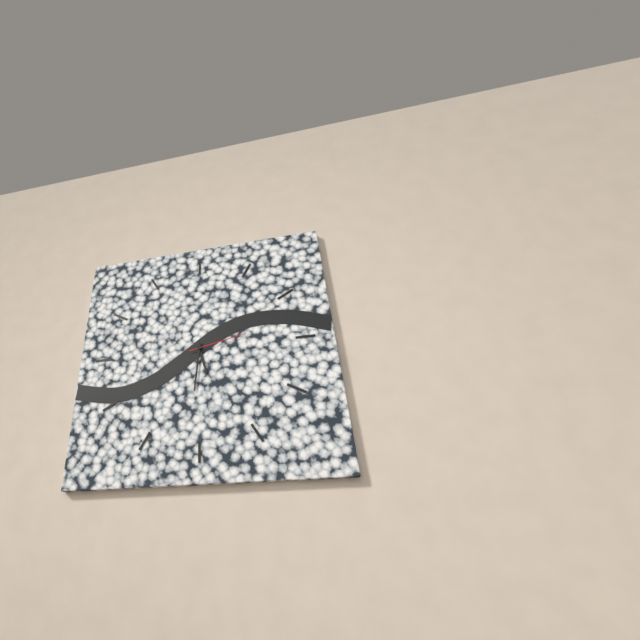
5h31m13s
